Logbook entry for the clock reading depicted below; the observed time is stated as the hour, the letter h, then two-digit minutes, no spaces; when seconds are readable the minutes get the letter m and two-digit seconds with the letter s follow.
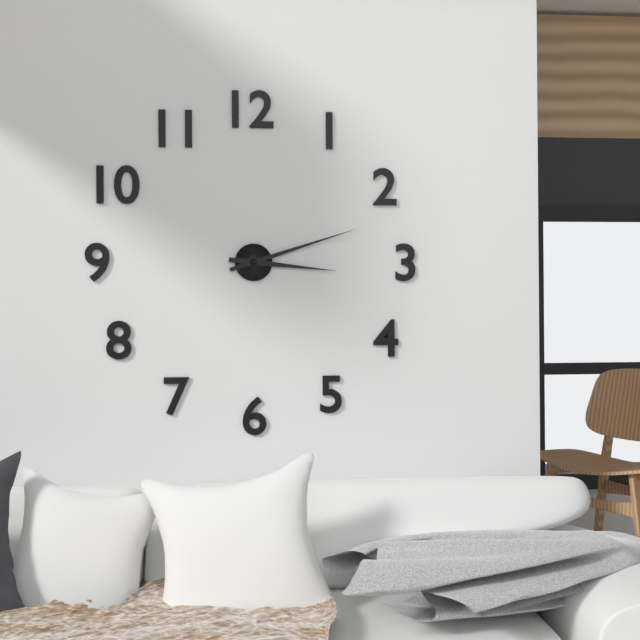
3h12
